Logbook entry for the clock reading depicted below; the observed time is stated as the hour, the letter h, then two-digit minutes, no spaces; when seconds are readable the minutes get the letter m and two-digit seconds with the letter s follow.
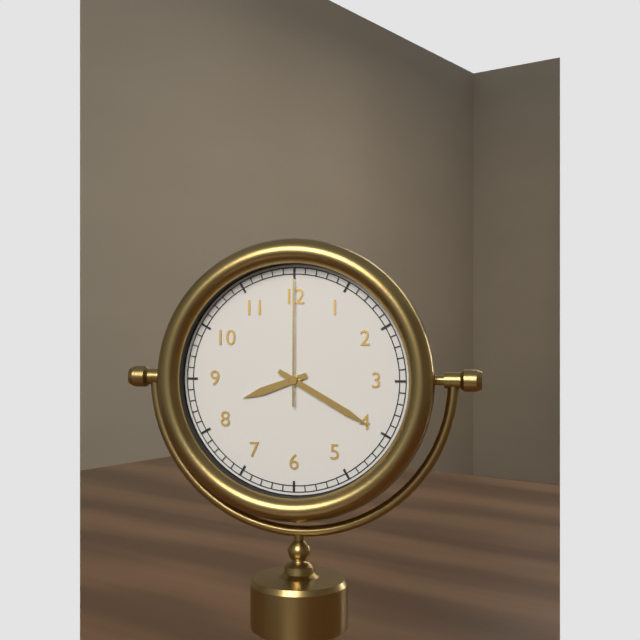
8h20m00s
